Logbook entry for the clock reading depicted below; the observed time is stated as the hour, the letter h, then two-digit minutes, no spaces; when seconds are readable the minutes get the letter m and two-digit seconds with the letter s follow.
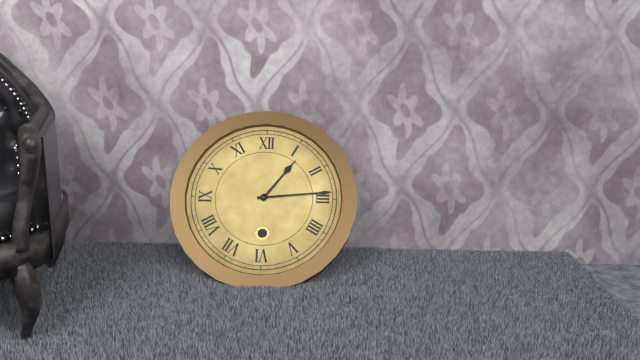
1h14
